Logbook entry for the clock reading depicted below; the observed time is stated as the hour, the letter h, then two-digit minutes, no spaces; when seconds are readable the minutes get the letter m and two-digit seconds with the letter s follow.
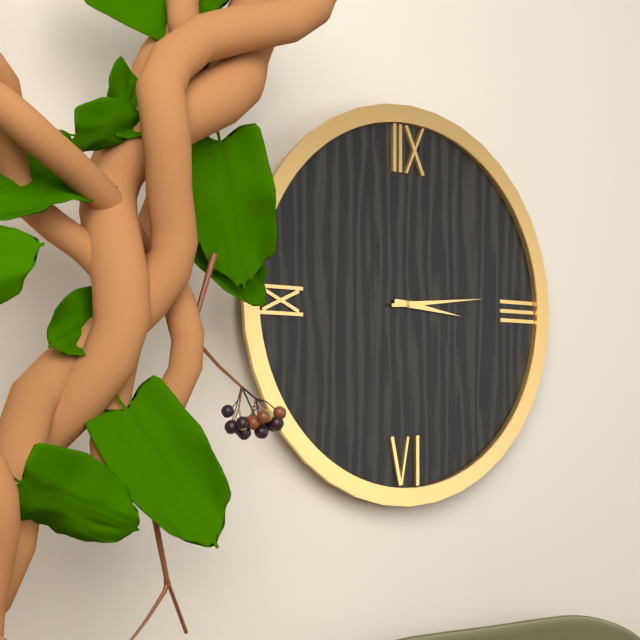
3h14
